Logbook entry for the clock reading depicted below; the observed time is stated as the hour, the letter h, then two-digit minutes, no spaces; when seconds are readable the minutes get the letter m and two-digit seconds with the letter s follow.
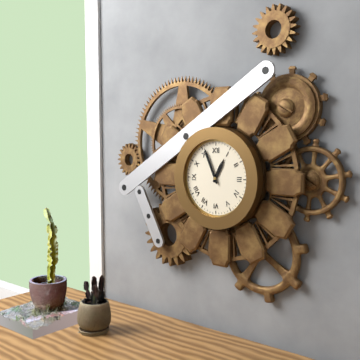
12h56
